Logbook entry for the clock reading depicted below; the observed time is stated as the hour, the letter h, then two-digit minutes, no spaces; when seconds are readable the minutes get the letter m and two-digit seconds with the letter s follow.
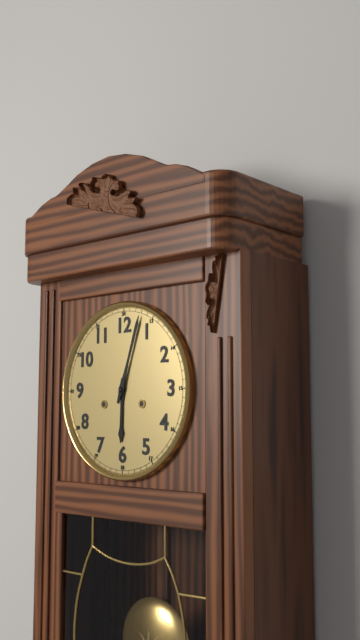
6h03
